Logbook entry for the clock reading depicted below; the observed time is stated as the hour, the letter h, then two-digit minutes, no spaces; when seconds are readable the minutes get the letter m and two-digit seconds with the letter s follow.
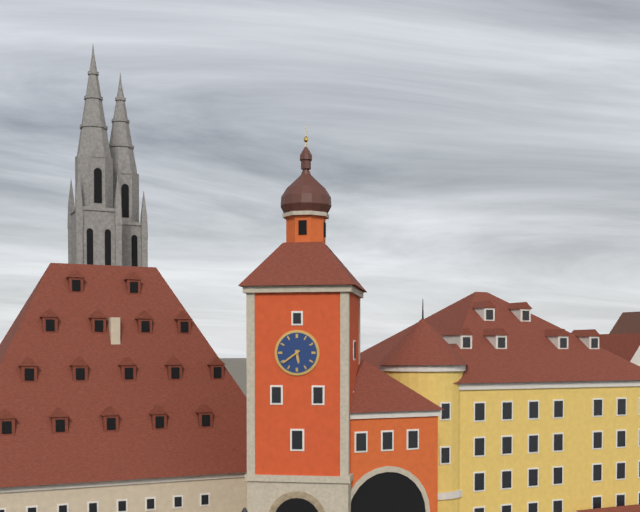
5h39
